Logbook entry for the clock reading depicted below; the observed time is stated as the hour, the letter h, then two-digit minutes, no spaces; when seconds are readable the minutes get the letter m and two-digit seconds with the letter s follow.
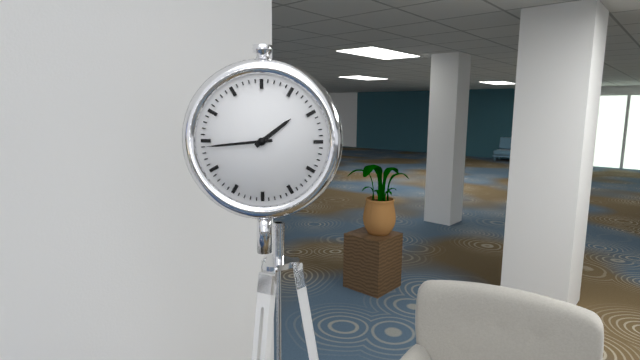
1h44
